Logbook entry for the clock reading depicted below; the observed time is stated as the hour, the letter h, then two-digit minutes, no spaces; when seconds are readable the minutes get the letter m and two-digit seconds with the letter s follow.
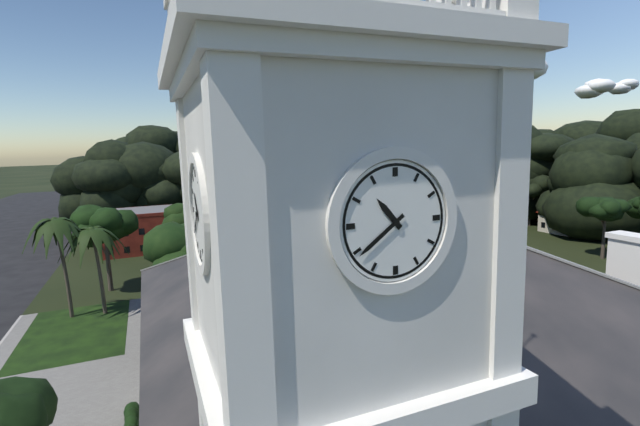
10h39
